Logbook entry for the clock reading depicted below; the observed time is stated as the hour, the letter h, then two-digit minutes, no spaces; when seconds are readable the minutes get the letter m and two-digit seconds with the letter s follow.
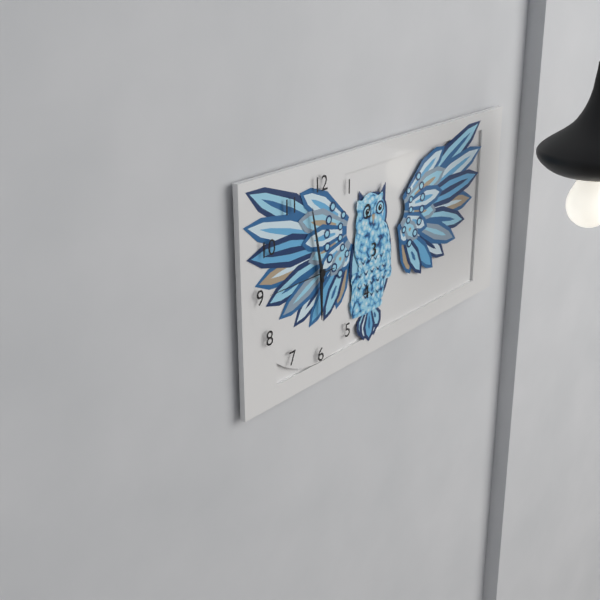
5h58m45s
